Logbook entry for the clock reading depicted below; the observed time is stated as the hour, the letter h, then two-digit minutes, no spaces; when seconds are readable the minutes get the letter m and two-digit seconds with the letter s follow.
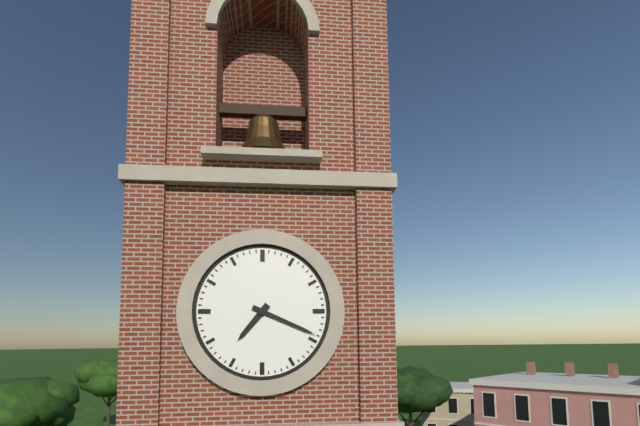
7h19
